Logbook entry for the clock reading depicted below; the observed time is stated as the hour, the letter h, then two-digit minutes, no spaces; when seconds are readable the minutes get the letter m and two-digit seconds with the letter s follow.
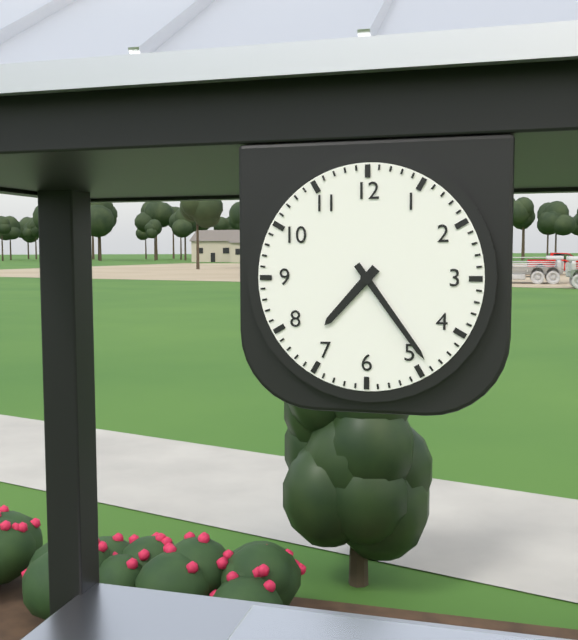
7h24
